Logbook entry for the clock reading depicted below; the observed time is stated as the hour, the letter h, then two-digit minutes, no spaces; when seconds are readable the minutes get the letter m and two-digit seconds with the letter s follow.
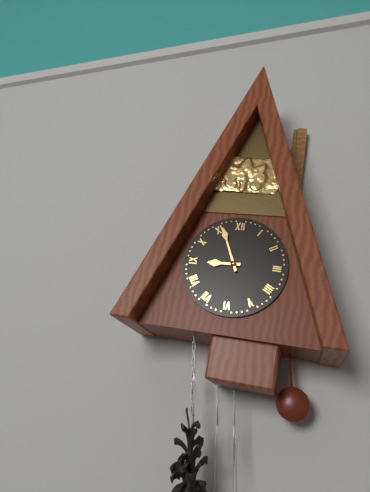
8h56
